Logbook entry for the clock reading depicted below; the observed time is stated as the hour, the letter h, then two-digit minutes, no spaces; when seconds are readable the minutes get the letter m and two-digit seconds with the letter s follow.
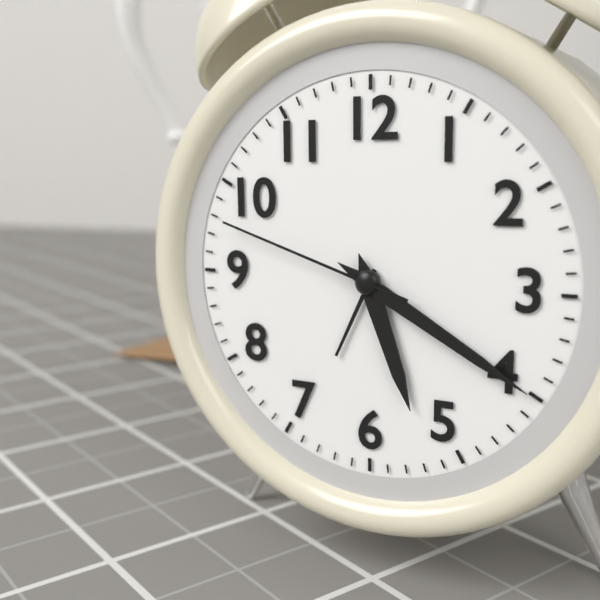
5h20m48s
